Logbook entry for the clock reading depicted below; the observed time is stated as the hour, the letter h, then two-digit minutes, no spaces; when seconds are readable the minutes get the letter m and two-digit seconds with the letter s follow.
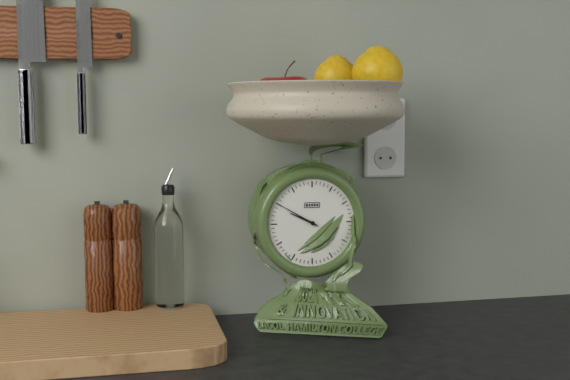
9h50
